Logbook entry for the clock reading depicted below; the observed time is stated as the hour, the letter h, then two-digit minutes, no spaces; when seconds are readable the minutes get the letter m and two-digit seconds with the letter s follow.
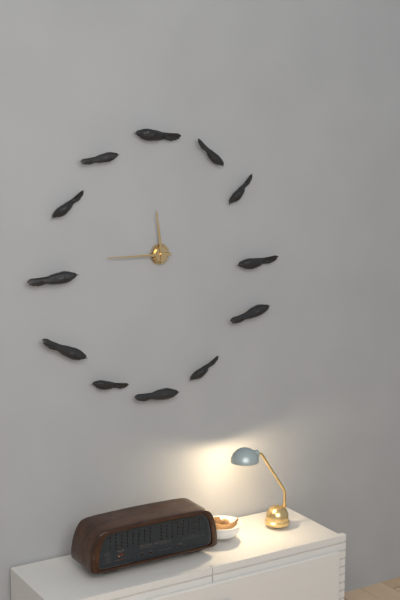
11h45
